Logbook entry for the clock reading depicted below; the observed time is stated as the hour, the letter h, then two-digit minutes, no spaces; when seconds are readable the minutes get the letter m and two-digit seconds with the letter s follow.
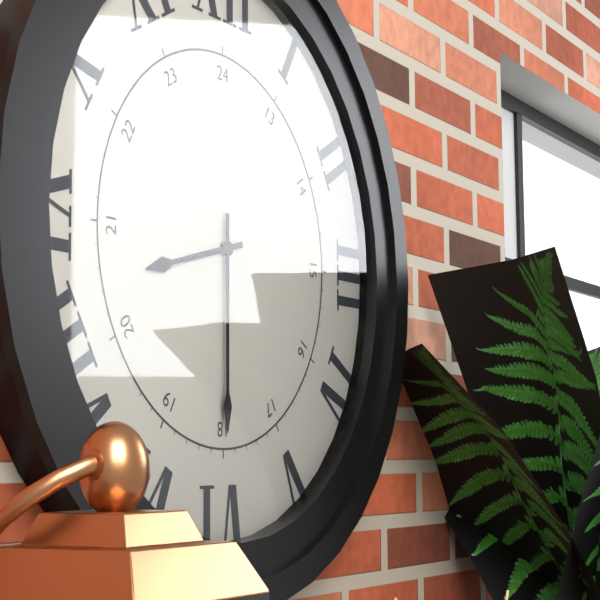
8h30
